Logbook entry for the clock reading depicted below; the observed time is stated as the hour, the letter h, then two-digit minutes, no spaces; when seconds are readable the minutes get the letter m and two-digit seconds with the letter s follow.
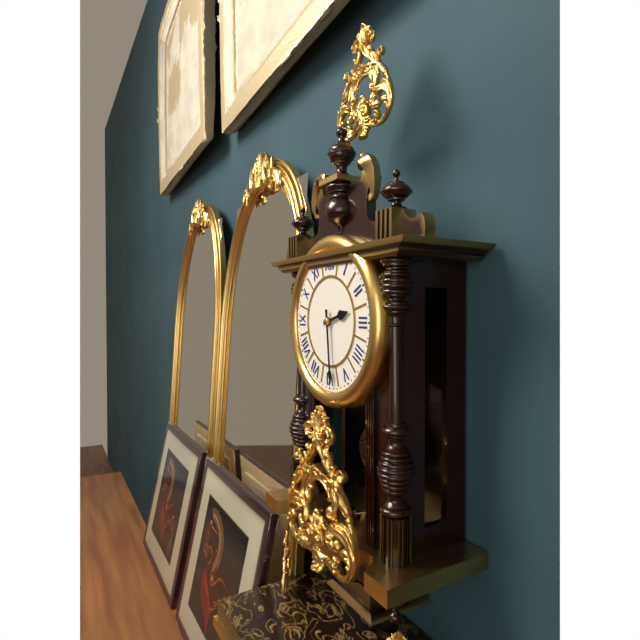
2h29
